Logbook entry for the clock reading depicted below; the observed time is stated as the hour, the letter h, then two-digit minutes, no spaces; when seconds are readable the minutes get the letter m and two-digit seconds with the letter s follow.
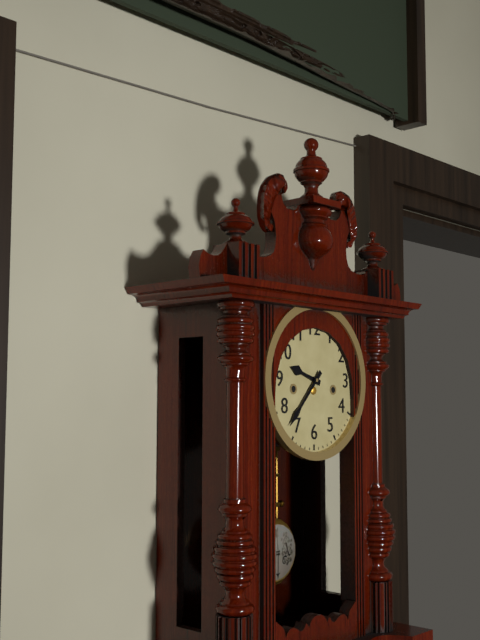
9h37
